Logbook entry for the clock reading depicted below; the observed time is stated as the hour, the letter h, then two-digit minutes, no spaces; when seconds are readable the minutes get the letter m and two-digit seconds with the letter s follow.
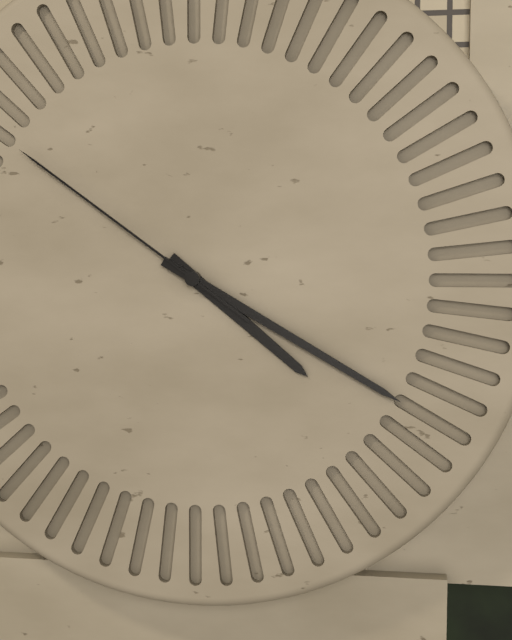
4h20m51s
